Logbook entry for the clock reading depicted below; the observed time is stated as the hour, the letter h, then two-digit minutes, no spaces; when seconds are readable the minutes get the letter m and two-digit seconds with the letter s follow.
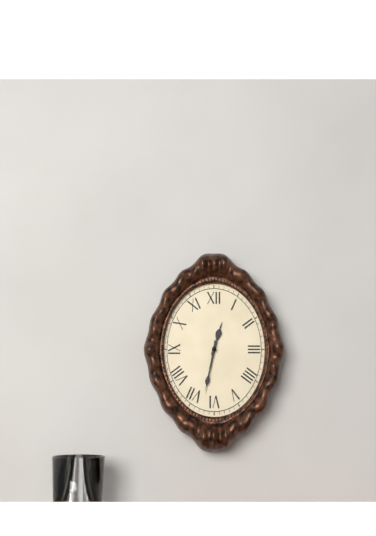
12h32
